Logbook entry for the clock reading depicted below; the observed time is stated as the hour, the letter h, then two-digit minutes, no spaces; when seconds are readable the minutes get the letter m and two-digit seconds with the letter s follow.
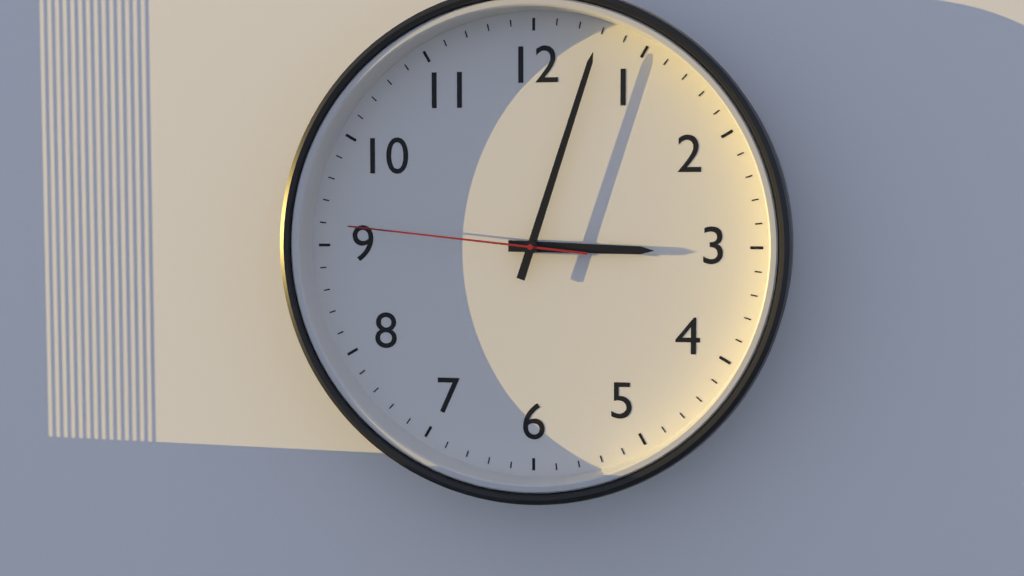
3h03m46s
